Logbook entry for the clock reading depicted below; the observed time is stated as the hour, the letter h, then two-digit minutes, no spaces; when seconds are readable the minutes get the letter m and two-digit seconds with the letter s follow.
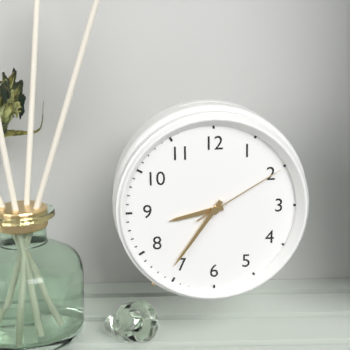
8h36m10s
